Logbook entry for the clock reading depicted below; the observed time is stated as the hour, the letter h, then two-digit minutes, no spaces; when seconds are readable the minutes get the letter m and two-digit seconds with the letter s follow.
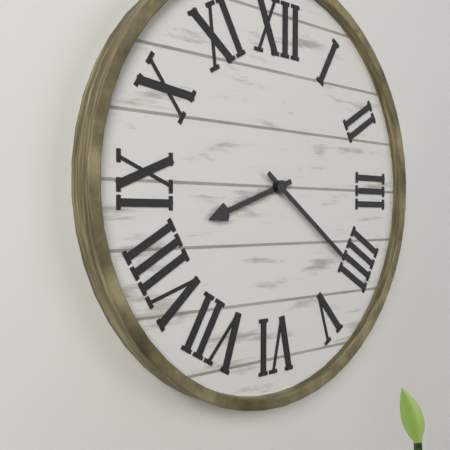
8h21
